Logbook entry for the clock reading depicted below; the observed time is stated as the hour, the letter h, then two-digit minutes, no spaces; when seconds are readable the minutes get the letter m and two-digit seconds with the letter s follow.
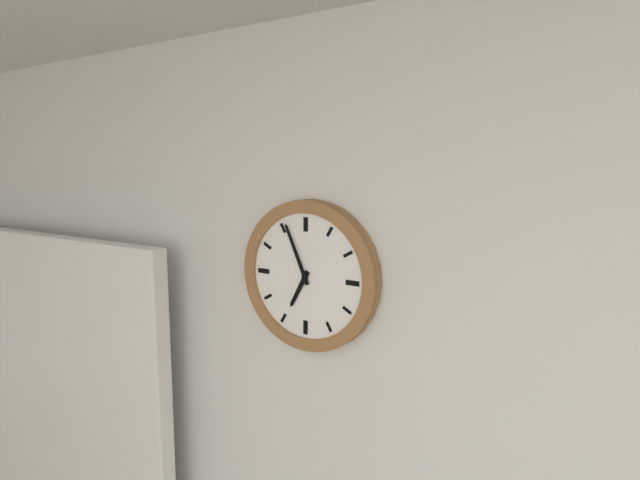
6h56
